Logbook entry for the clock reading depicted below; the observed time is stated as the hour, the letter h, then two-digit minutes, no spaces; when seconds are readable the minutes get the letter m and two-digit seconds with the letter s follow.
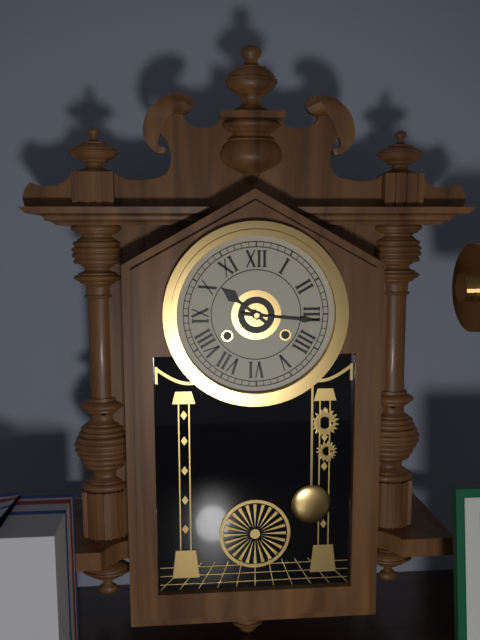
10h16
